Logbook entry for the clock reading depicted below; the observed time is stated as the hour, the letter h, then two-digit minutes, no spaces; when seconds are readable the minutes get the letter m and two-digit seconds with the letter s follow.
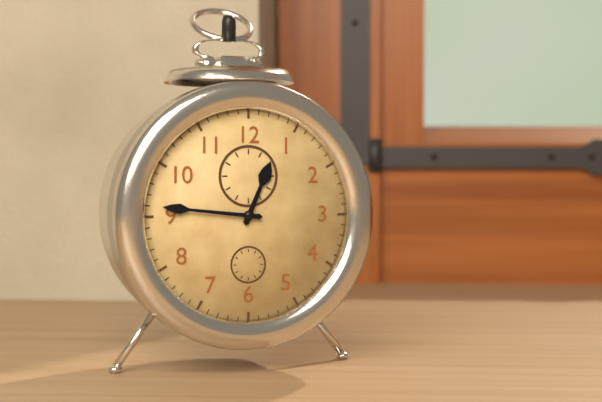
12h46
